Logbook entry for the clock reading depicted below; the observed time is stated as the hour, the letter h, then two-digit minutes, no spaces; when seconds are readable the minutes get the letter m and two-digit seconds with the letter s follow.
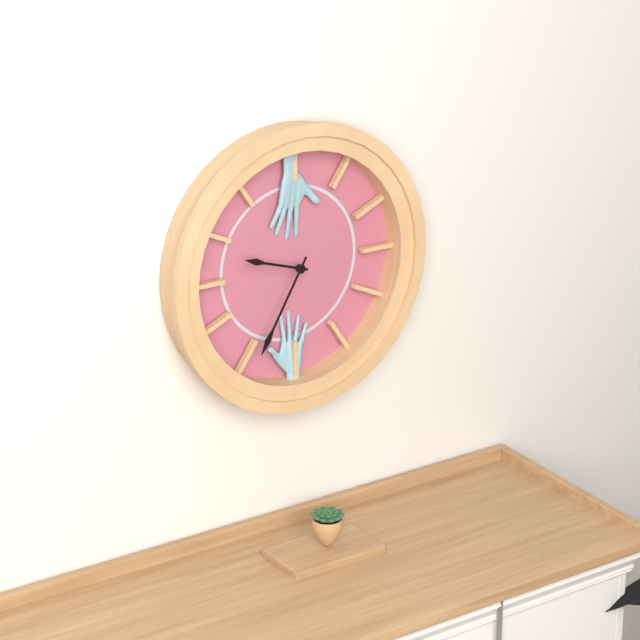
9h35
